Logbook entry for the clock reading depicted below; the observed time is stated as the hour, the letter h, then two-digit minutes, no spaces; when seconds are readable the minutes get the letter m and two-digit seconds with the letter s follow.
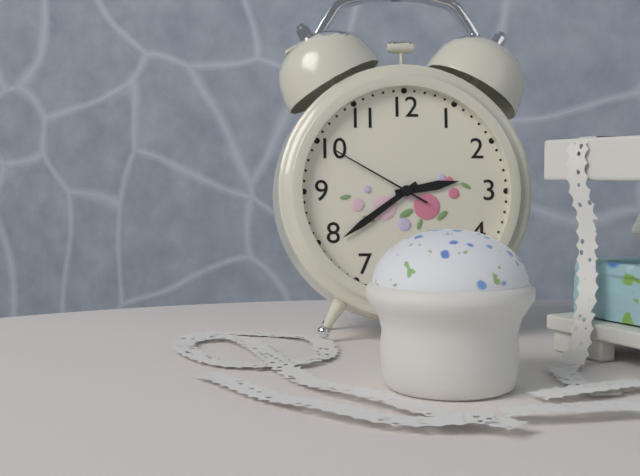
2h39m50s
